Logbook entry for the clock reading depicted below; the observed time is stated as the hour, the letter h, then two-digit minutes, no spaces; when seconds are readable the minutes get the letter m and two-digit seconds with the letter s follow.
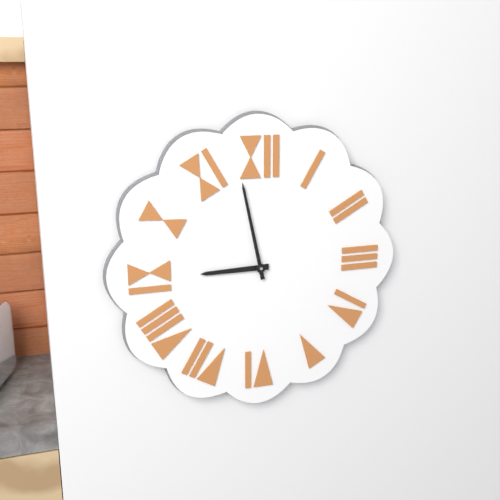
8h58
